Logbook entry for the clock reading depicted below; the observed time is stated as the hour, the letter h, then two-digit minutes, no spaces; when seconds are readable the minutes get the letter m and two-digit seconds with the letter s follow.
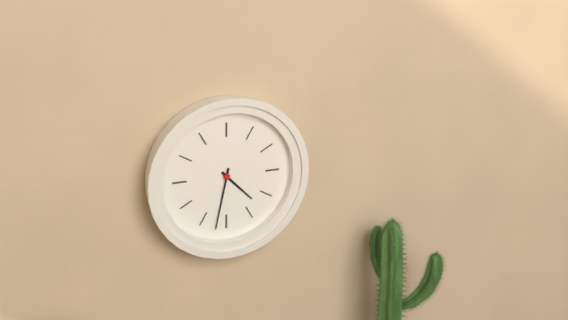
4h32
